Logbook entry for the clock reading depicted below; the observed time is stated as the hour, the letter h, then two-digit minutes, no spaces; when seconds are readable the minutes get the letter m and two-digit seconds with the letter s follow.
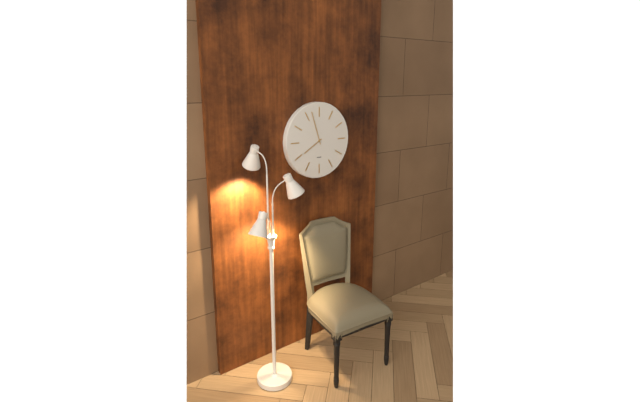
7h57
